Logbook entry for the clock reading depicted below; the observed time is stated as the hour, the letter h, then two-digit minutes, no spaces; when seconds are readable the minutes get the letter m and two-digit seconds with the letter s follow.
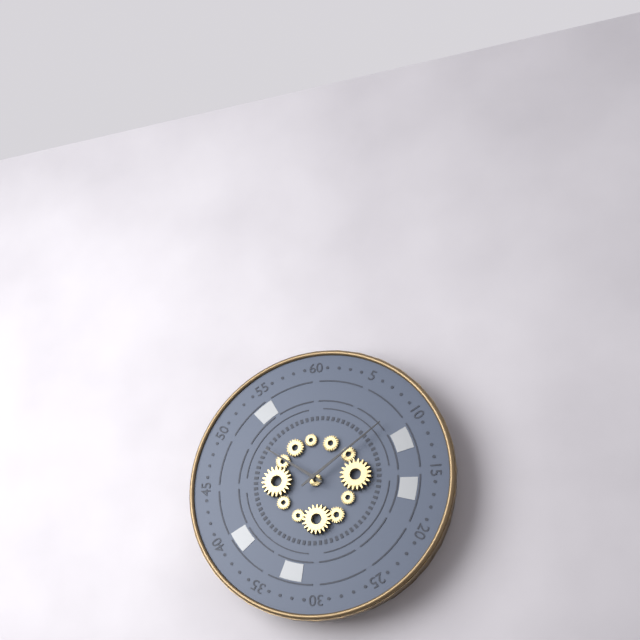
10h09
